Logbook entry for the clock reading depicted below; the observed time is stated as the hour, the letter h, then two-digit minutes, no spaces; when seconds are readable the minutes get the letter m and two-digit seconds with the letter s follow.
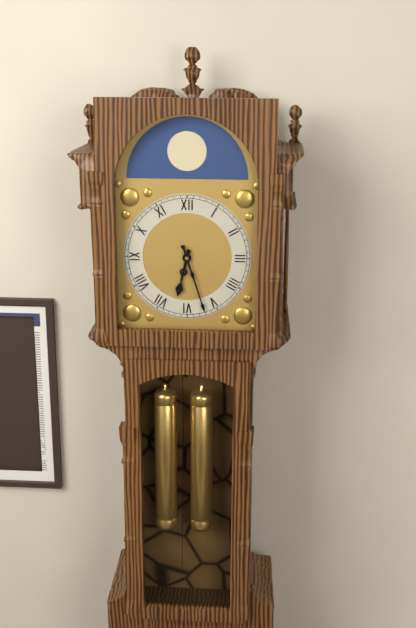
6h27
